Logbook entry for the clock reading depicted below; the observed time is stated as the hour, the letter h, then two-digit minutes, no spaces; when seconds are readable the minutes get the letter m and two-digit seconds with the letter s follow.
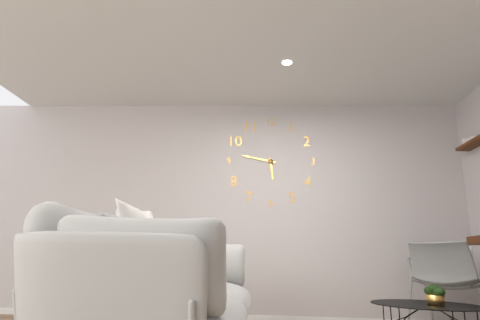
5h47
